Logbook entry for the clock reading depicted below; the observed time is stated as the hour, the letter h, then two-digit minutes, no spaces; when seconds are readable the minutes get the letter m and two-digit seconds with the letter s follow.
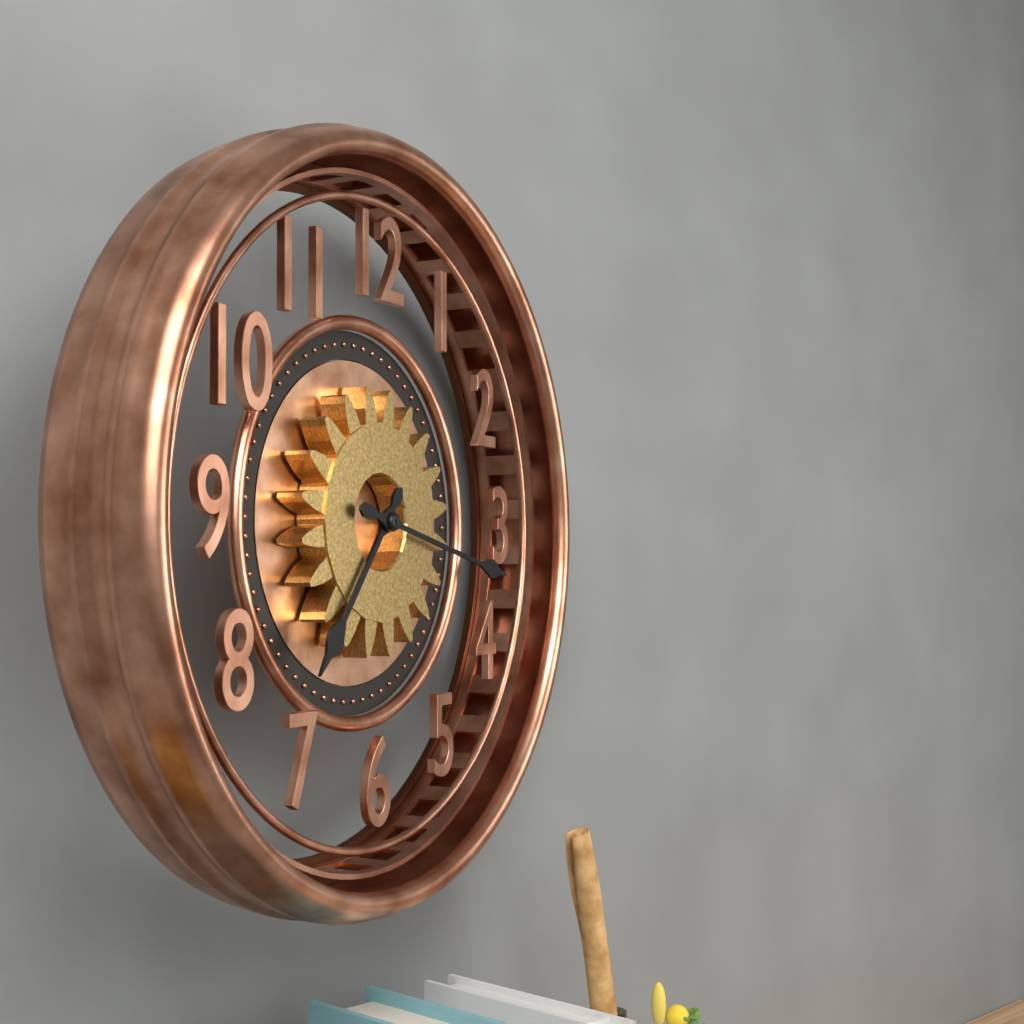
7h17
